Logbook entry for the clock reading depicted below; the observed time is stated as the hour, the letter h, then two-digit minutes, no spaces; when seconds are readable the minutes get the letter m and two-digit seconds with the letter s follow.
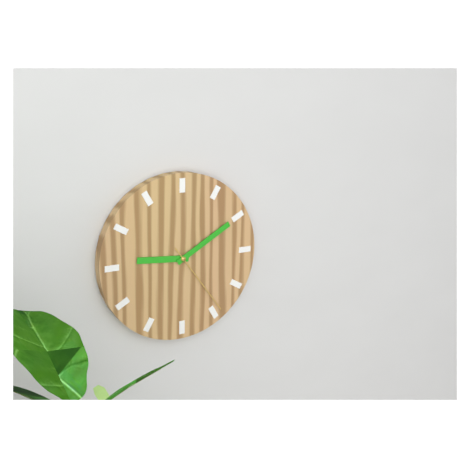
9h10m24s
